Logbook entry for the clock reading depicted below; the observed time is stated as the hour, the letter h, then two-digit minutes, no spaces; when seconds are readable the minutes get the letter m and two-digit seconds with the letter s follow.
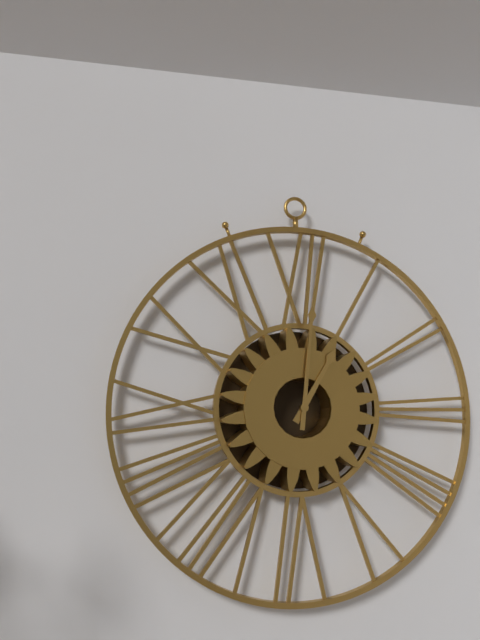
1h01
